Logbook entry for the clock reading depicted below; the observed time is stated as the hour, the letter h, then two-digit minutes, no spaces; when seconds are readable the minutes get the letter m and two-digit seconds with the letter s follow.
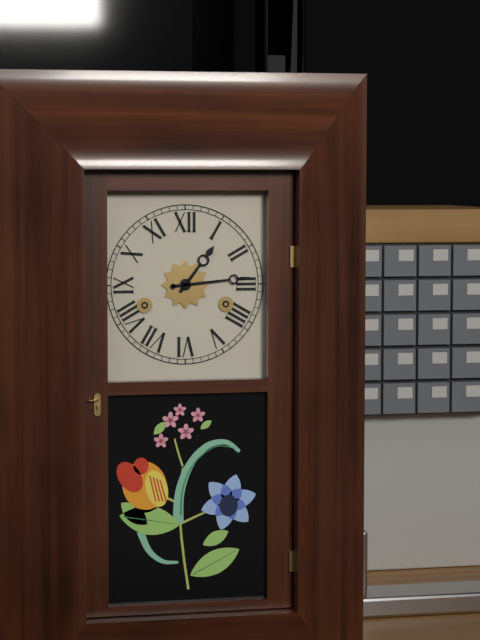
1h14
